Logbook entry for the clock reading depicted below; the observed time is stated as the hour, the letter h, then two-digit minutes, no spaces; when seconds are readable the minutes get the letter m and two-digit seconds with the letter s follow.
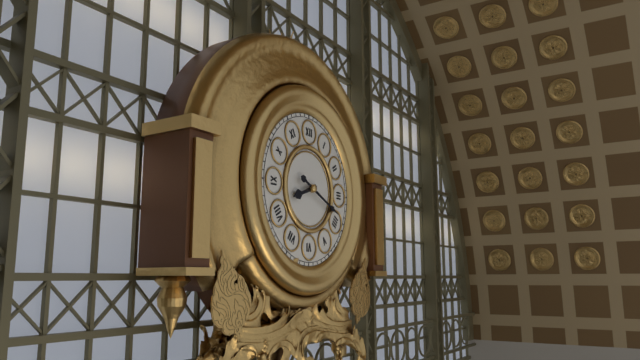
8h19
